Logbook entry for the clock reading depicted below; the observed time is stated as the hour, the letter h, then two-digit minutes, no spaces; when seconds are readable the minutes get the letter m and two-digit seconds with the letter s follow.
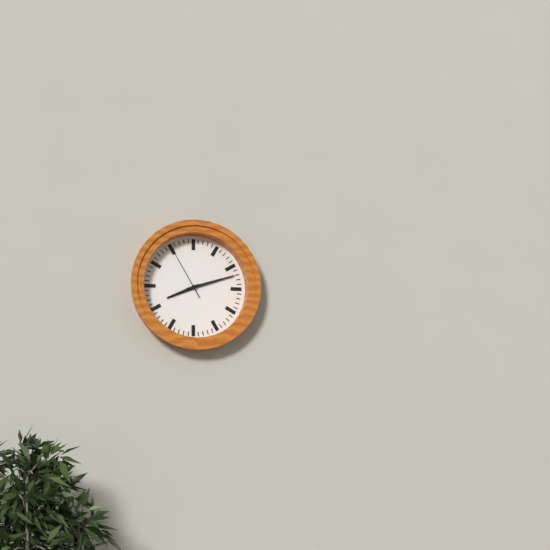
8h12m55s
